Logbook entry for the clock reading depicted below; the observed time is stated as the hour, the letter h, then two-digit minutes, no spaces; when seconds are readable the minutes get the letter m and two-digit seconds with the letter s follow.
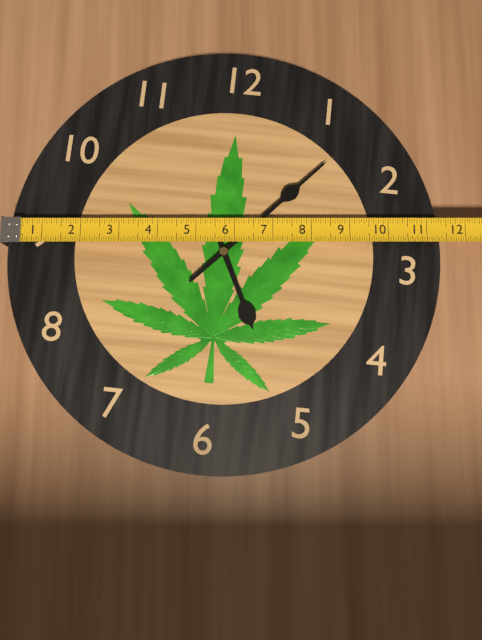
5h07
